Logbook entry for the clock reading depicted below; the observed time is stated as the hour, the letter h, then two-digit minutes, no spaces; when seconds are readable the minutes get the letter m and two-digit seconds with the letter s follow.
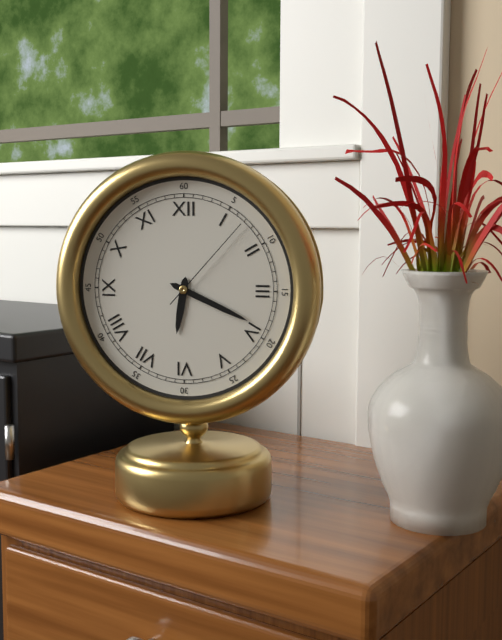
6h19m07s
